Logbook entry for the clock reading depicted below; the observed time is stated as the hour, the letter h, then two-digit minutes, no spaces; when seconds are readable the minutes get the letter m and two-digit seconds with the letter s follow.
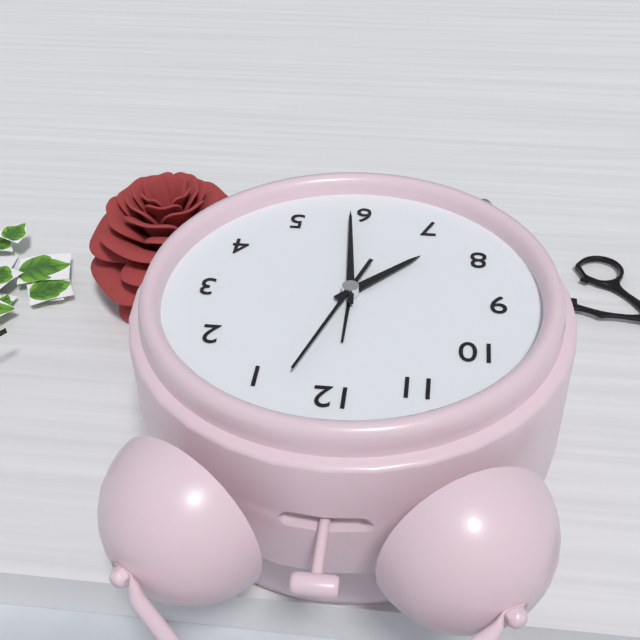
7h29m03s
